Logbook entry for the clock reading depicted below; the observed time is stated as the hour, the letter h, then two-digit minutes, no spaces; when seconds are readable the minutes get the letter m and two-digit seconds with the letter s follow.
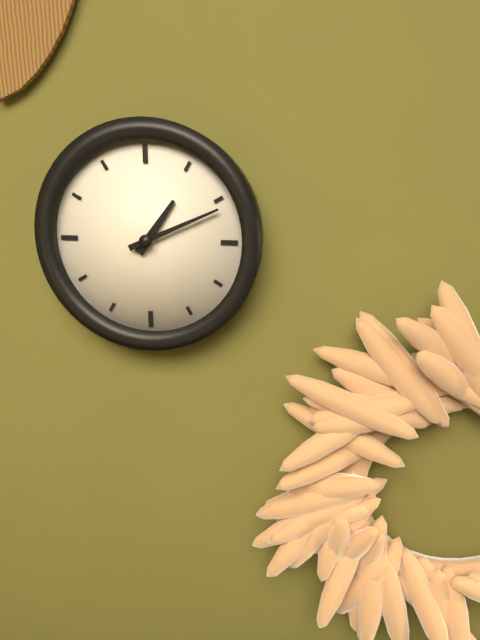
1h11
